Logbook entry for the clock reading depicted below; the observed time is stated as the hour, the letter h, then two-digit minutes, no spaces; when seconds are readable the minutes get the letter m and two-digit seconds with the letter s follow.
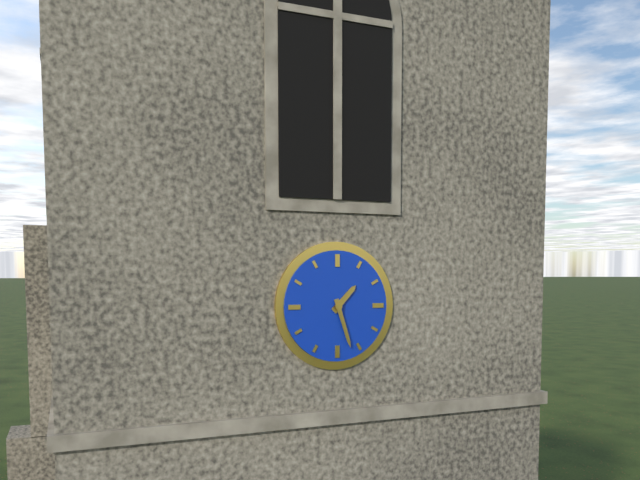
1h27
